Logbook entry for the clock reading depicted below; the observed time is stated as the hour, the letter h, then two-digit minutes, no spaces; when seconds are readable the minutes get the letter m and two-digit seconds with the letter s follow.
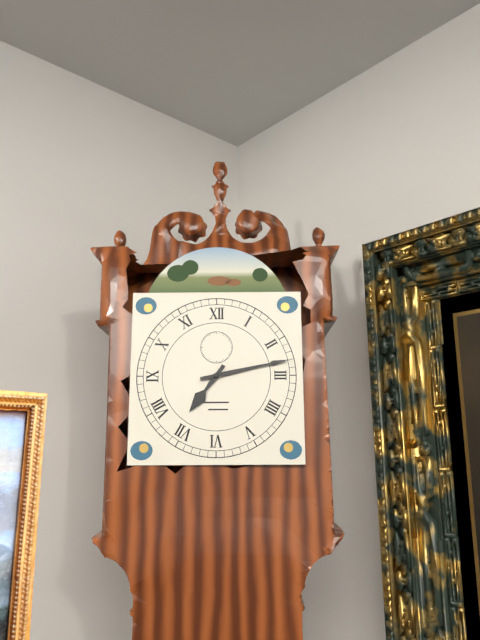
7h13
